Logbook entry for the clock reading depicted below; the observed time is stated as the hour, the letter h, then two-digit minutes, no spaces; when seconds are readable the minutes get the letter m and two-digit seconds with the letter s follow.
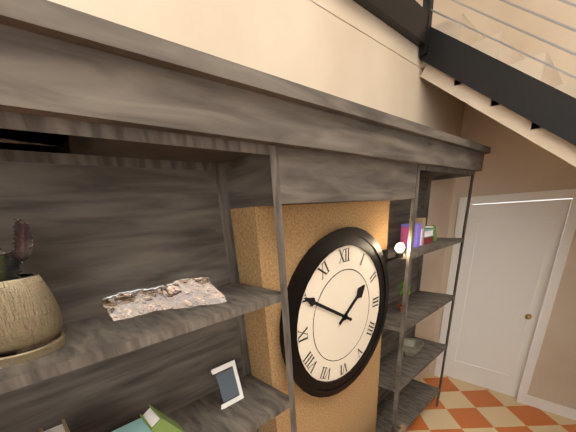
1h50
